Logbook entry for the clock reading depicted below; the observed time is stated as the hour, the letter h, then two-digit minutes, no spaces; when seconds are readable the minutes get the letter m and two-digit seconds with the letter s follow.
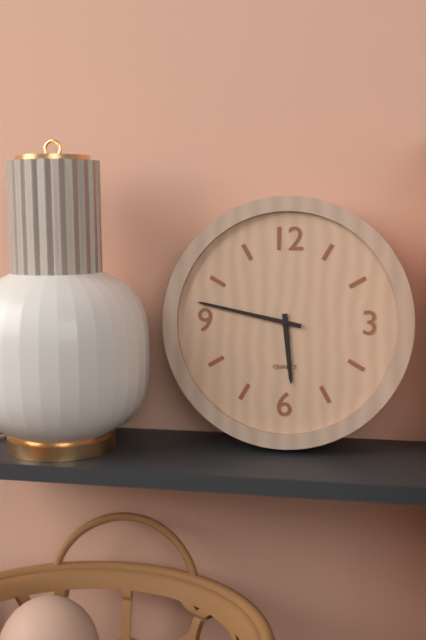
5h47
